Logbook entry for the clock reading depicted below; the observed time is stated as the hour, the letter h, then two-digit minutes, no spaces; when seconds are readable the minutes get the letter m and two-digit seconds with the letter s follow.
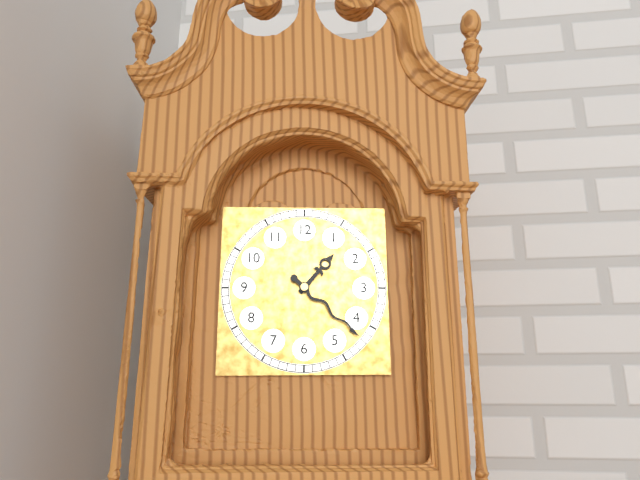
1h22
